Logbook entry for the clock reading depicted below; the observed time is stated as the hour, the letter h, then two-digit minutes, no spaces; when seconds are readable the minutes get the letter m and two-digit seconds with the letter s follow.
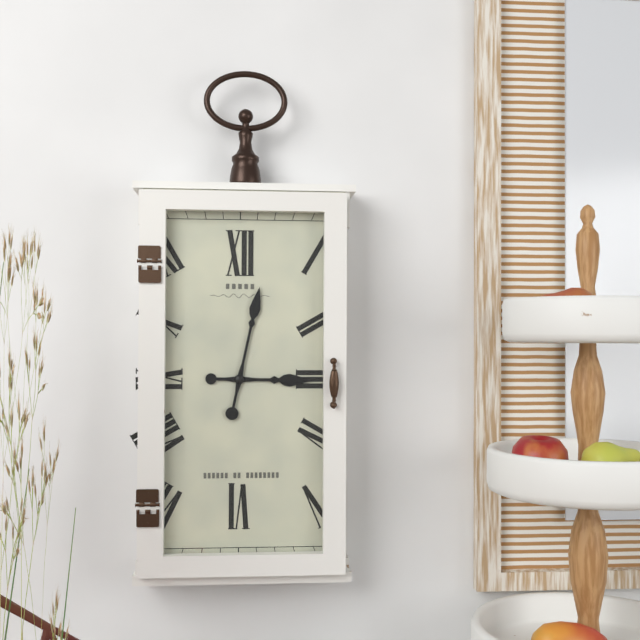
3h02
